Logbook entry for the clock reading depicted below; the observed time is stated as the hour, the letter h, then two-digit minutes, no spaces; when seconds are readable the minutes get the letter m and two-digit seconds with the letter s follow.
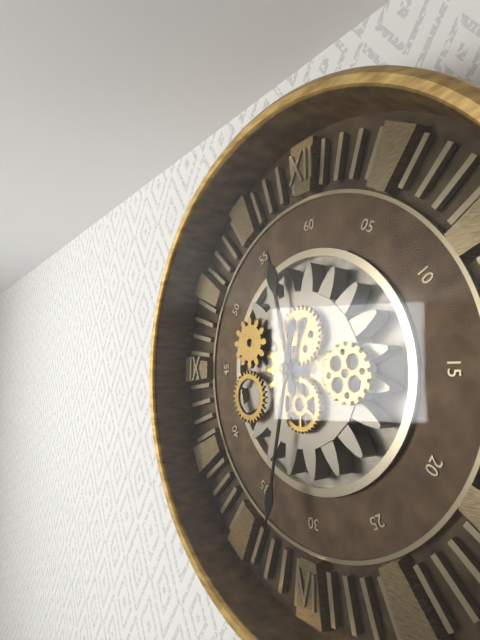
11h32
